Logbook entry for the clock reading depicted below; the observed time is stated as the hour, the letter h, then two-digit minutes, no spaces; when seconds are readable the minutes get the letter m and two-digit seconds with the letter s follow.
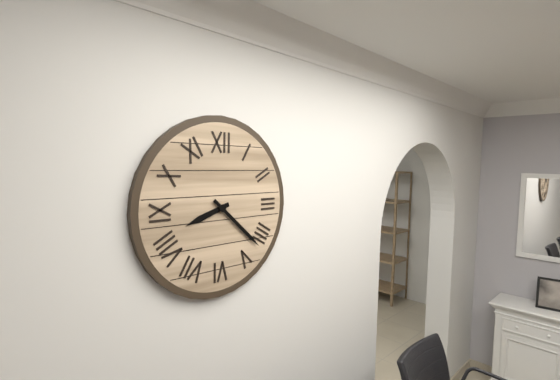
8h22
